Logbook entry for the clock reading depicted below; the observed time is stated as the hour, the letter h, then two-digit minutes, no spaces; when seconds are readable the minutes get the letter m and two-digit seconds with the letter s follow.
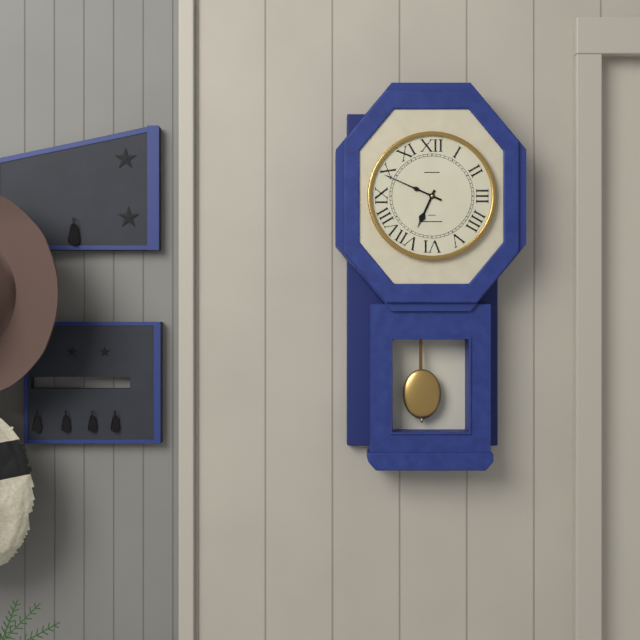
6h49
